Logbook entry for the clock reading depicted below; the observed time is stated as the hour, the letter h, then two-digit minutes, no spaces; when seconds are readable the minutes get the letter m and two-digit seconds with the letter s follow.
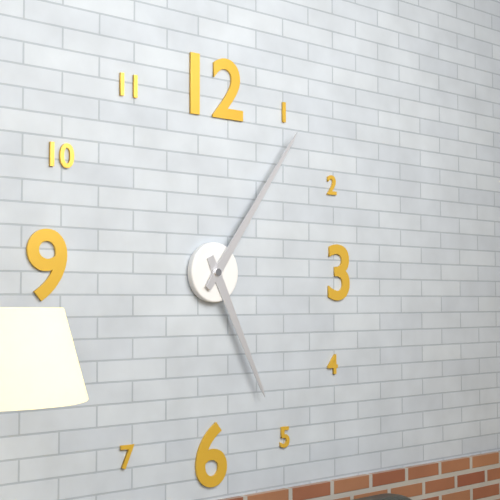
5h06
